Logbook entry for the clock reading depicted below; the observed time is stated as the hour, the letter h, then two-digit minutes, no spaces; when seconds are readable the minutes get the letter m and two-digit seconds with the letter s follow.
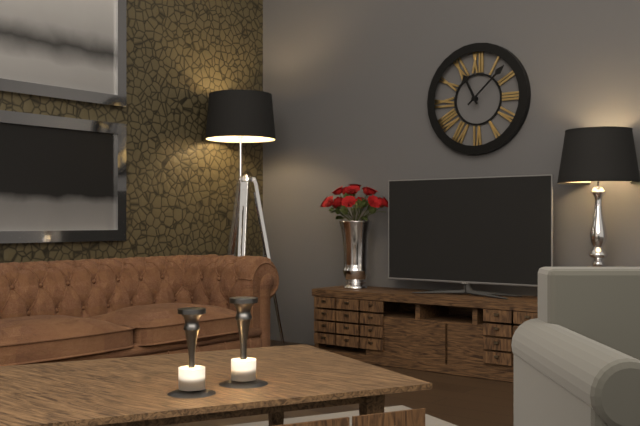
11h08
